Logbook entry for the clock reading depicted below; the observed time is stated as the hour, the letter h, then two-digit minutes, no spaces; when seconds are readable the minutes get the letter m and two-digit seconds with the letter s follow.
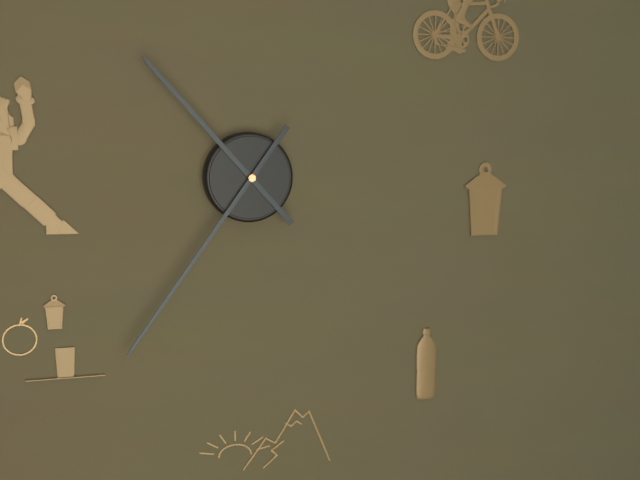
10h36
